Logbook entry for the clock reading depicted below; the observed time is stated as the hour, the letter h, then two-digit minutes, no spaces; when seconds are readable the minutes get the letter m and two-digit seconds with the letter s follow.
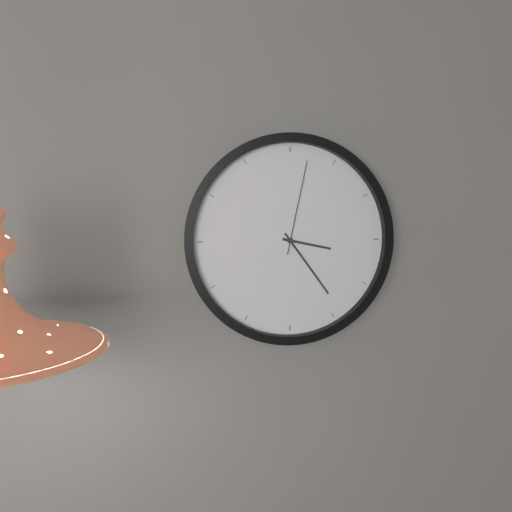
3h24m02s
